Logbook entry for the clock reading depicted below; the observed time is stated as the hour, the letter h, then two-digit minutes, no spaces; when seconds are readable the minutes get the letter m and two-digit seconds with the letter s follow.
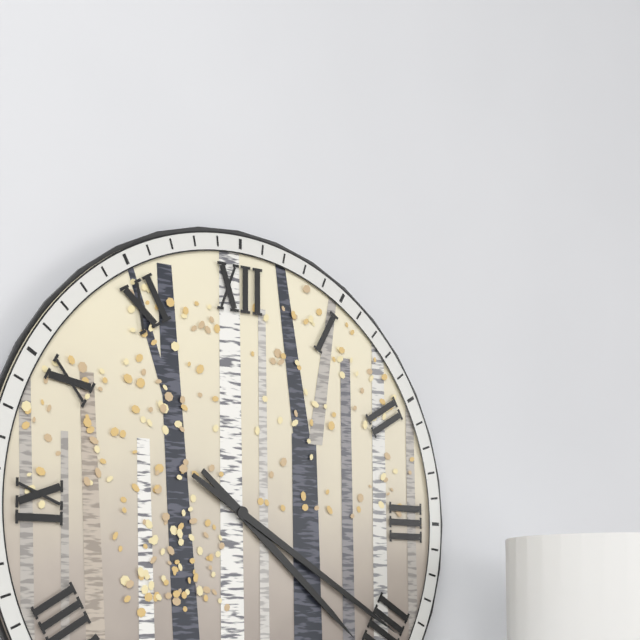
4h20
